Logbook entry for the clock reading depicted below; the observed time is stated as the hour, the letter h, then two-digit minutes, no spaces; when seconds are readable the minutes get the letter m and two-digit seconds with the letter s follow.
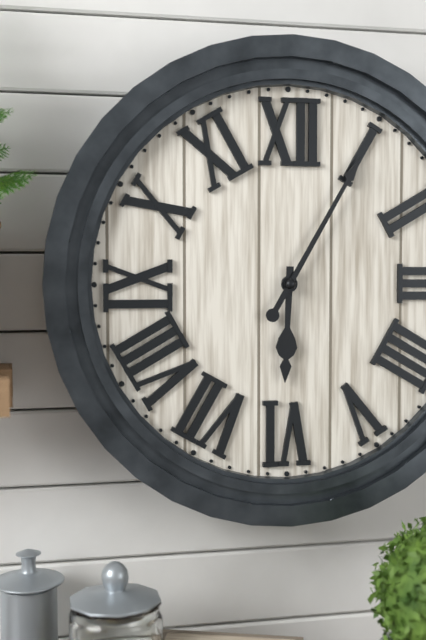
6h05
